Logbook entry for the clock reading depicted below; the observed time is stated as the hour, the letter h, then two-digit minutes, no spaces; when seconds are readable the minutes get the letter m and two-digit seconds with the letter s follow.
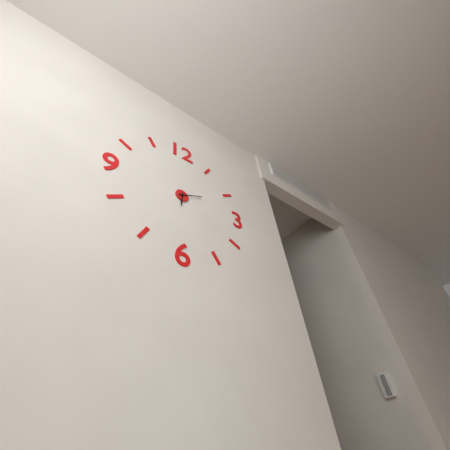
6h11
